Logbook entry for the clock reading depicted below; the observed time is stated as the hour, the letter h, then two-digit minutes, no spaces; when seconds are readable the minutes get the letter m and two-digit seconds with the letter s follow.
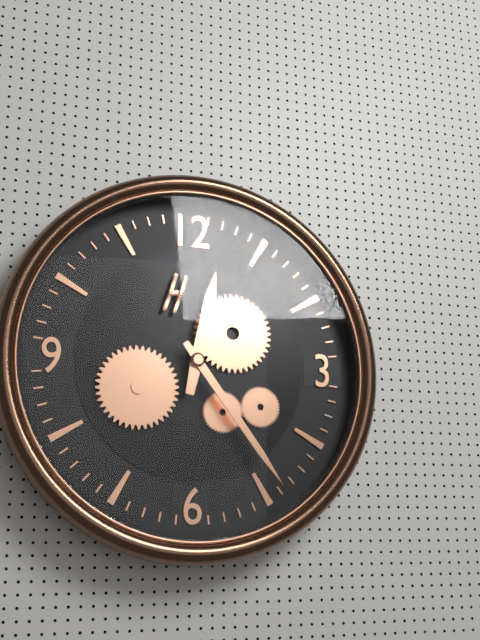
12h24
